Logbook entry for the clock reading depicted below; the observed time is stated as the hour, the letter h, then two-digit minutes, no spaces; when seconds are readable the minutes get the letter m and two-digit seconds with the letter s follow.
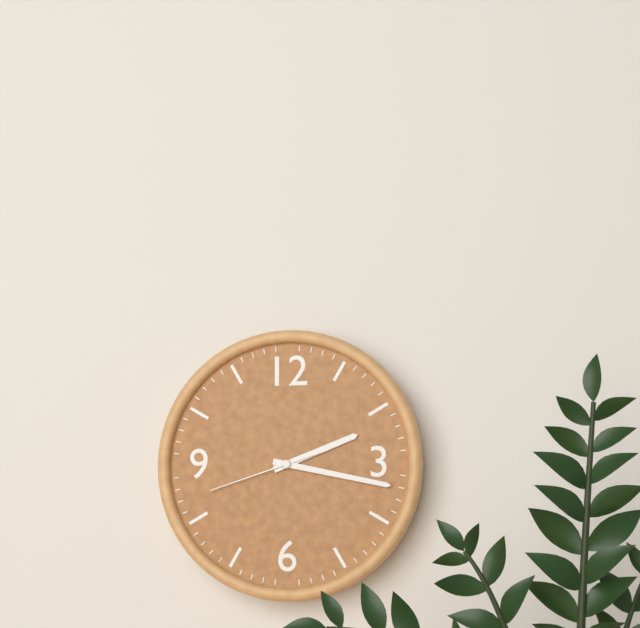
2h17m42s
